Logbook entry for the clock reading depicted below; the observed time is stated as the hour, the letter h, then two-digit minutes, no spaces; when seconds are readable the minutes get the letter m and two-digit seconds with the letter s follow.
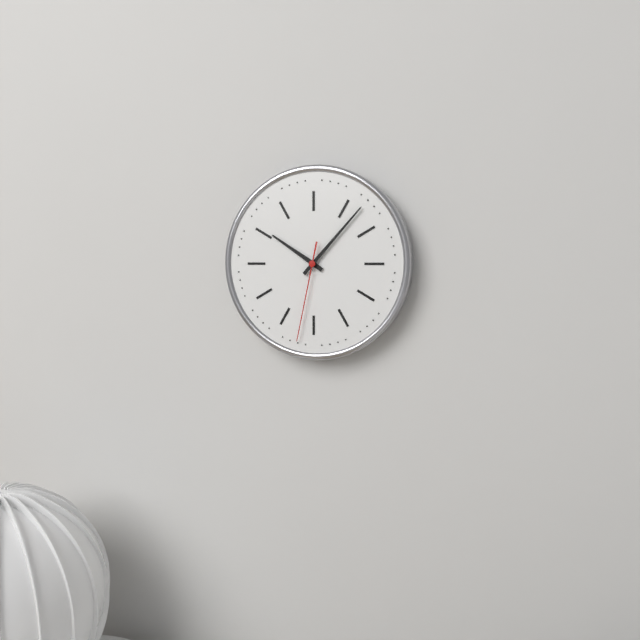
10h07m32s
